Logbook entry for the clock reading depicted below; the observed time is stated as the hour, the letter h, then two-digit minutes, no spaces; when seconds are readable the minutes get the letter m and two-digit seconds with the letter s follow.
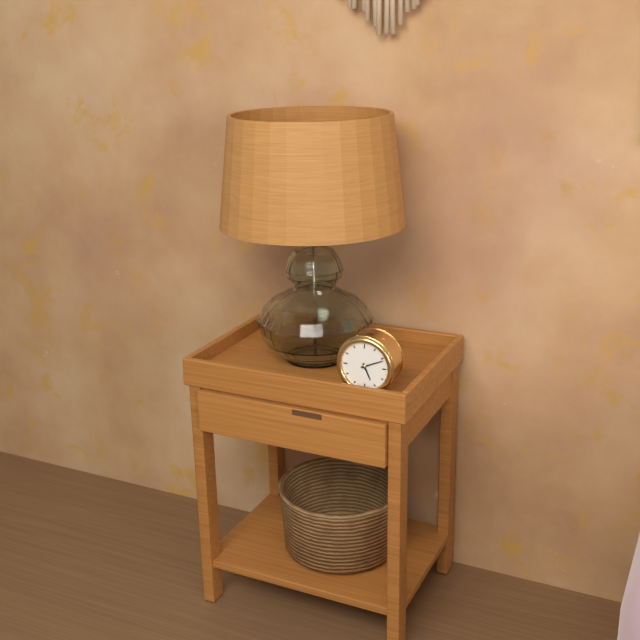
5h11
